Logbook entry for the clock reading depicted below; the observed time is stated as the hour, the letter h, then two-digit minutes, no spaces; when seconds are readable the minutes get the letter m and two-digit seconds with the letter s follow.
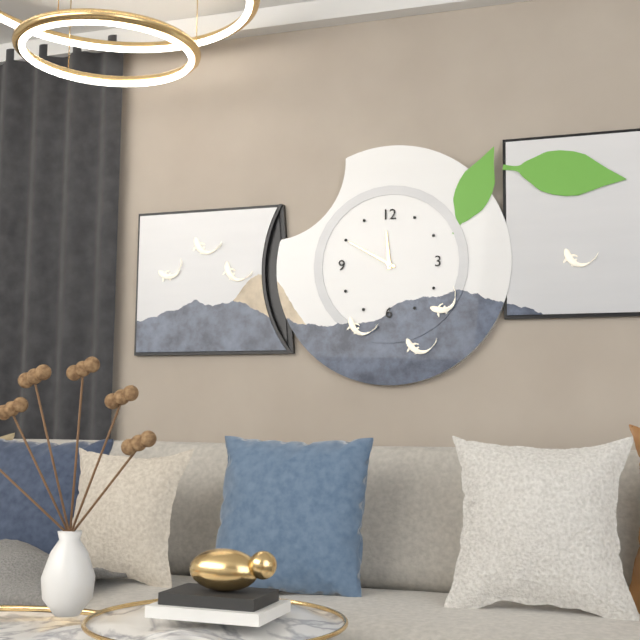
11h50
